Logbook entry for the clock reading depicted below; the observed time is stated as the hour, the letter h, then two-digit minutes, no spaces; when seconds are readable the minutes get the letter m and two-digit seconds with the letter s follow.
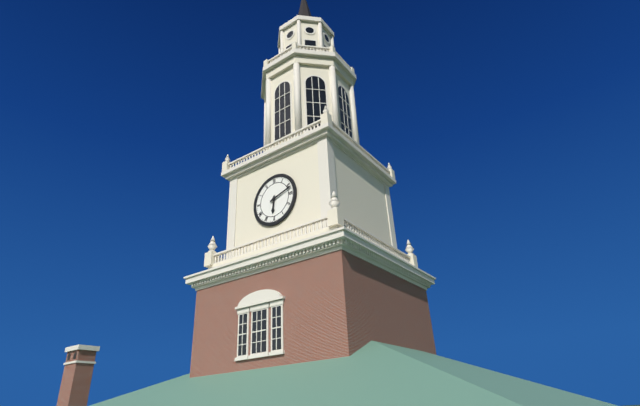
6h12
